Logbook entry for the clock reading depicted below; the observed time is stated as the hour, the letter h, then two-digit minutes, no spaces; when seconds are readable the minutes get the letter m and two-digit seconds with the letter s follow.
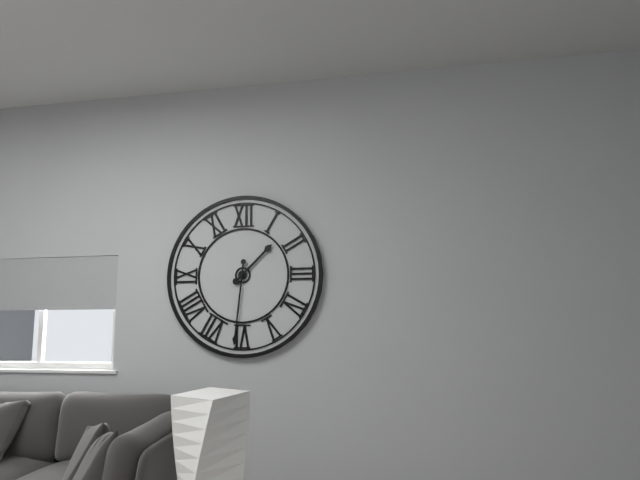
1h31
